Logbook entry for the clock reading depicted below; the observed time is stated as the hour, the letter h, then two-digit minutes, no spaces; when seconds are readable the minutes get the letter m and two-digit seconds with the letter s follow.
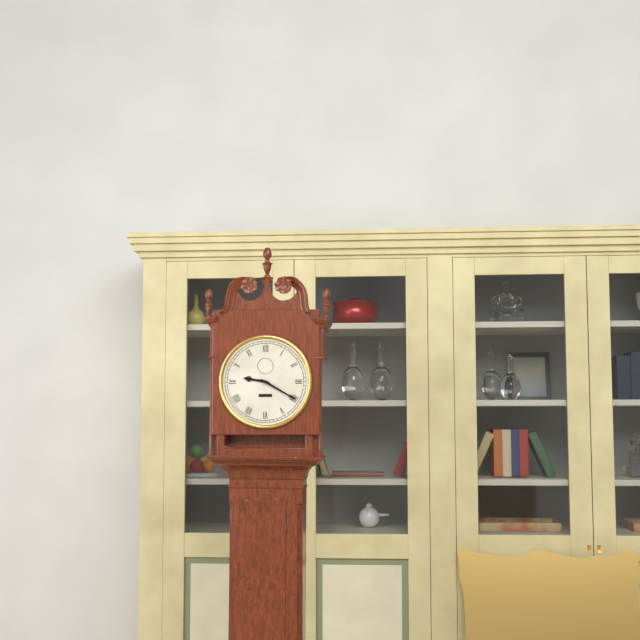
9h20
